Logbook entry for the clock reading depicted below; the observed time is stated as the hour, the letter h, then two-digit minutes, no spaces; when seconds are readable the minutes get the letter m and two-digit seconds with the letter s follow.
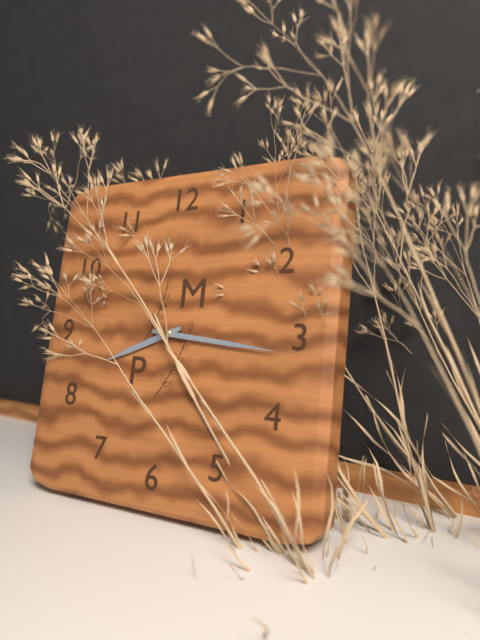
8h16
